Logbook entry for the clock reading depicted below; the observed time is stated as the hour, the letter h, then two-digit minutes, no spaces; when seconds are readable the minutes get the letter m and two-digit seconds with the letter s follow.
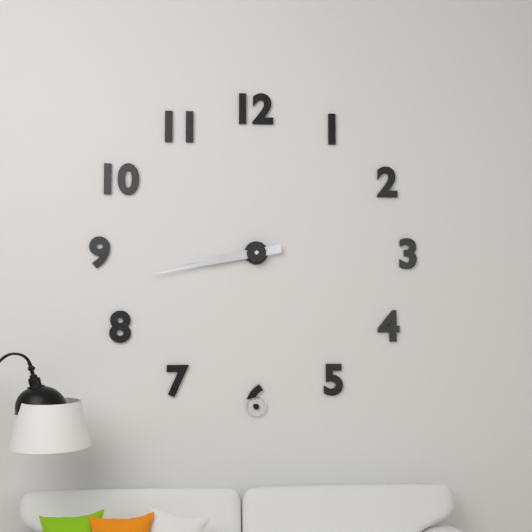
8h43
